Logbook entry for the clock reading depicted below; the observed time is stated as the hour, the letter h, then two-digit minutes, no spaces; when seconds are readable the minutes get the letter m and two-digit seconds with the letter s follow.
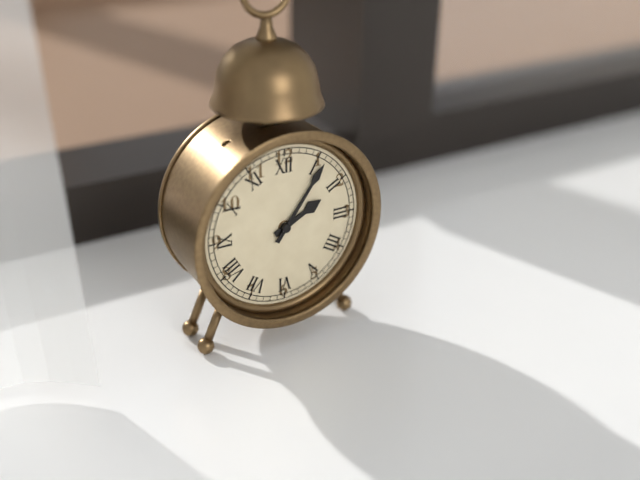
2h06
